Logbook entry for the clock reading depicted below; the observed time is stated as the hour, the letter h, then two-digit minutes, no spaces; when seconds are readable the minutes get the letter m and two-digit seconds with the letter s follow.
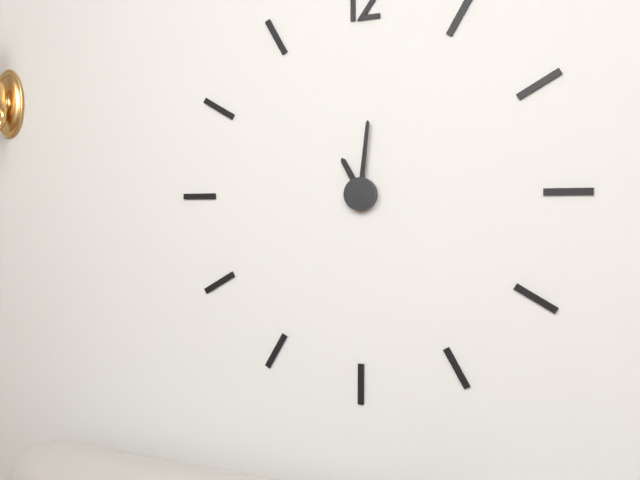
11h01
